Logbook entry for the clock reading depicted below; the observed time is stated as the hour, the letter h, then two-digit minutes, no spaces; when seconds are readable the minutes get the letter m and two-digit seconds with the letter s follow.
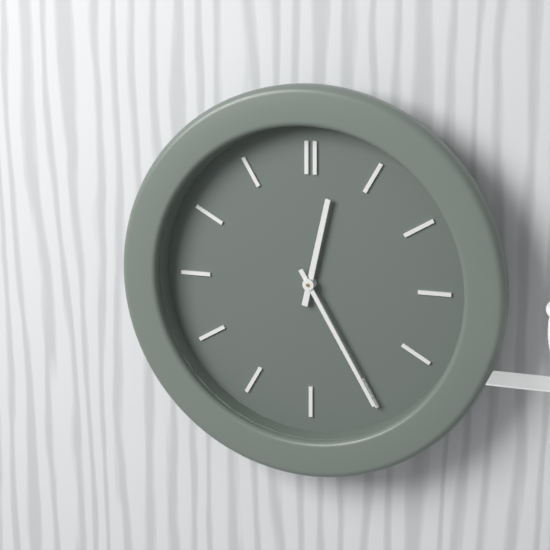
12h25
